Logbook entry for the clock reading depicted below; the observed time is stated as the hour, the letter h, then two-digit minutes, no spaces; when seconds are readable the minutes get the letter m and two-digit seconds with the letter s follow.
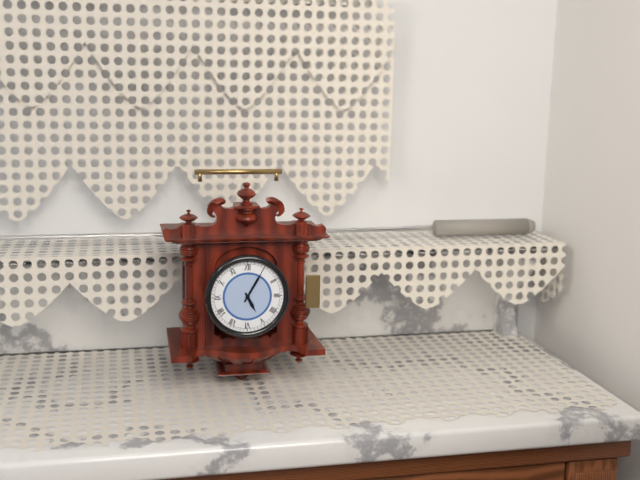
5h05
